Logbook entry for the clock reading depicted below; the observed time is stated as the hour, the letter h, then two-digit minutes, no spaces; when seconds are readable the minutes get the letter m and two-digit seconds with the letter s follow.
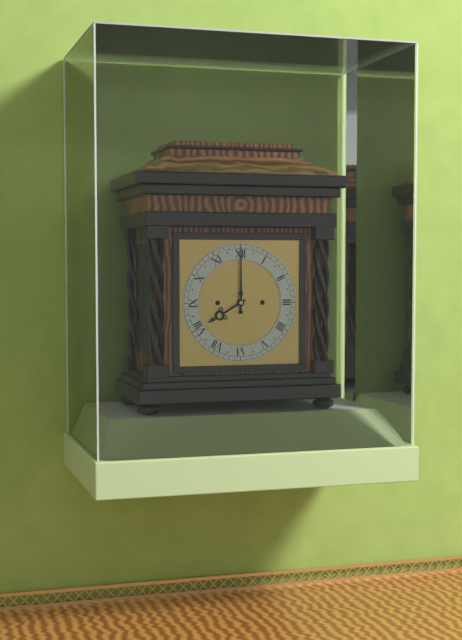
8h00
